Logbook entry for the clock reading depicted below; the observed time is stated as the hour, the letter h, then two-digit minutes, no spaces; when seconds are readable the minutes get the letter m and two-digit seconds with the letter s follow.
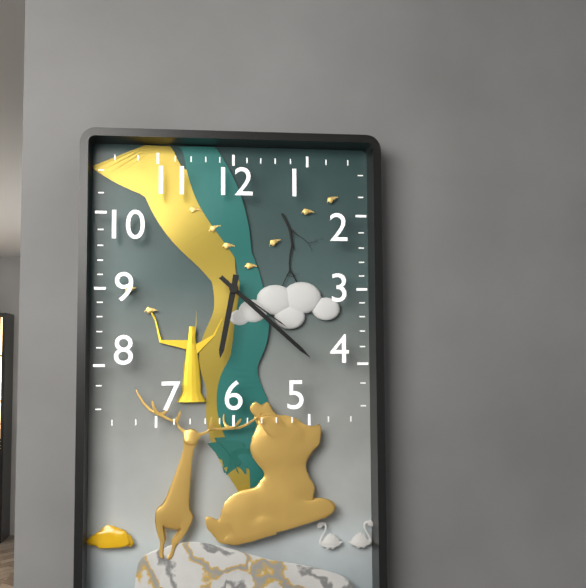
6h22m21s
